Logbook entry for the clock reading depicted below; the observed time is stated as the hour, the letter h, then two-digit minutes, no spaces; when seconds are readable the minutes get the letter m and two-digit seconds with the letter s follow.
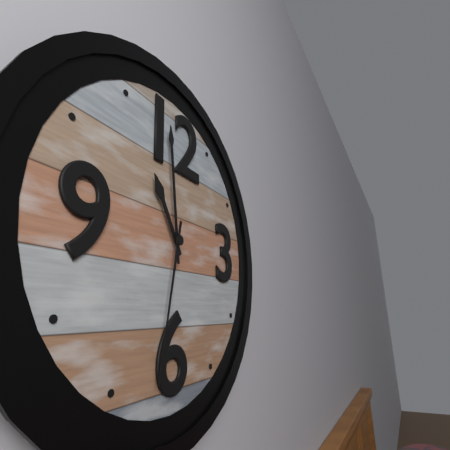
10h59m32s
